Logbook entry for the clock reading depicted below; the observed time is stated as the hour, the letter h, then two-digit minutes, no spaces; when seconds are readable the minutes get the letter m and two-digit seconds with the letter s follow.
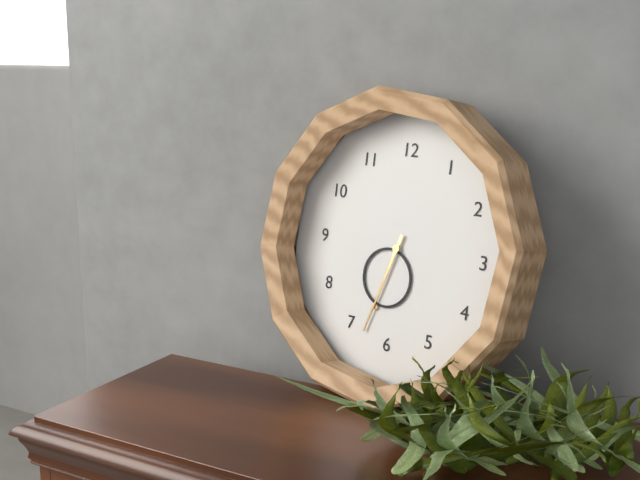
6h33
